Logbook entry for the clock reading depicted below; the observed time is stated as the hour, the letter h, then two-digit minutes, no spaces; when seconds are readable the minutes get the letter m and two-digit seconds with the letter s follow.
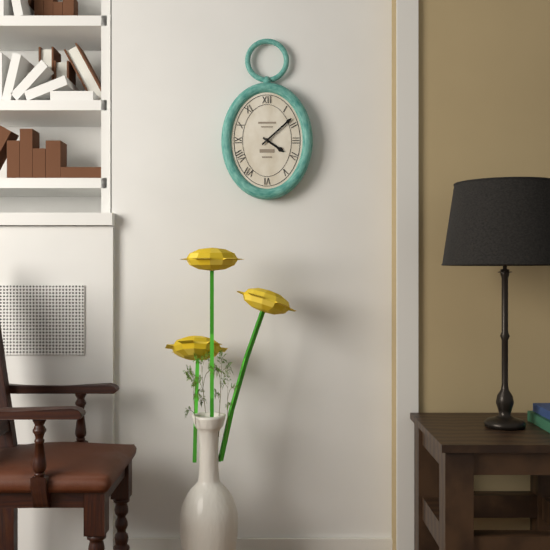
4h08
